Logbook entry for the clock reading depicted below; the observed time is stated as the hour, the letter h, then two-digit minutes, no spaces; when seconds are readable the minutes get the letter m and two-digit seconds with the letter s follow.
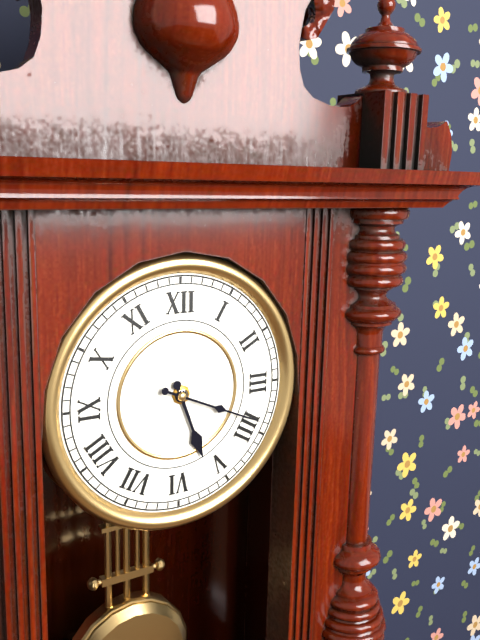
5h19
